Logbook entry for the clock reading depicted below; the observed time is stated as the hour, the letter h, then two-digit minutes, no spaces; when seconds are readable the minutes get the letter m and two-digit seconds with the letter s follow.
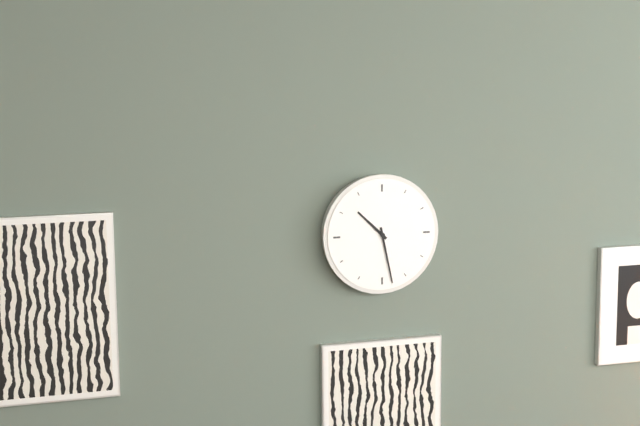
10h28
